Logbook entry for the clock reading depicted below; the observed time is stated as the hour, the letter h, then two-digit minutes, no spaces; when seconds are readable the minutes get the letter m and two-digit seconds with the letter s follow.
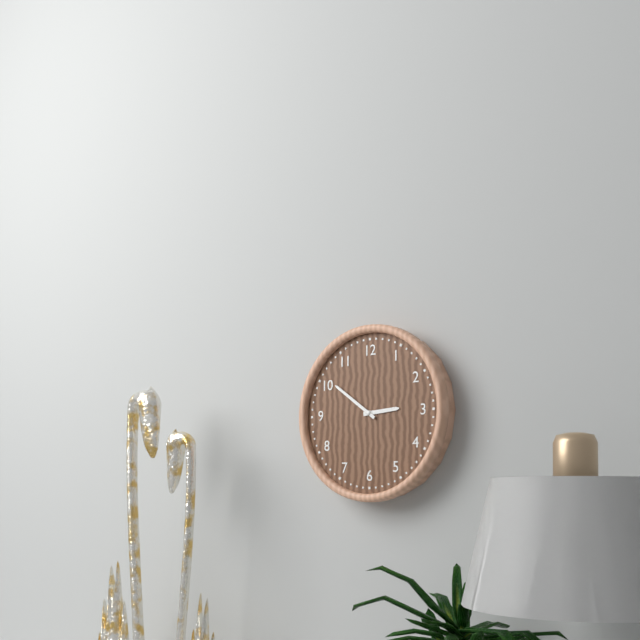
2h51
